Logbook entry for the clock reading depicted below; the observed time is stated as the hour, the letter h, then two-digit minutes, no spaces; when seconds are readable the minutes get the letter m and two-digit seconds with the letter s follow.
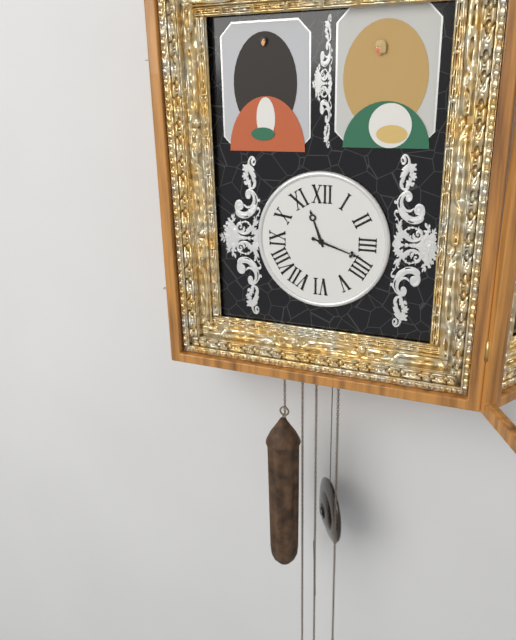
11h18
